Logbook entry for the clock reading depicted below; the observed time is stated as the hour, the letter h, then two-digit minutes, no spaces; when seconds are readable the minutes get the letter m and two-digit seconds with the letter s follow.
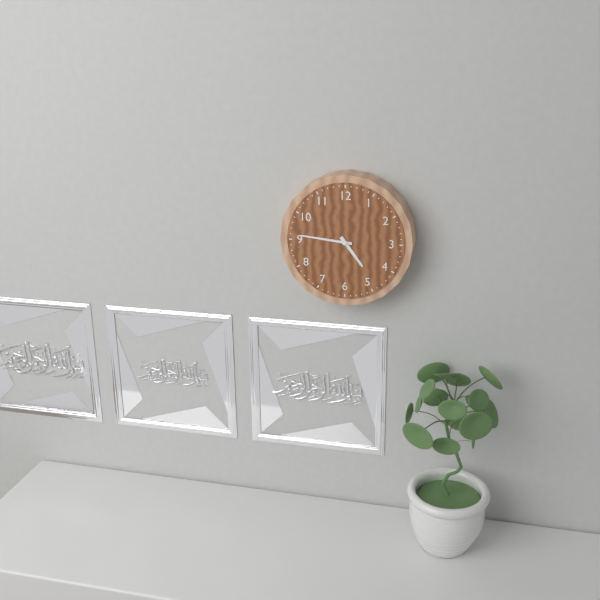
4h46
